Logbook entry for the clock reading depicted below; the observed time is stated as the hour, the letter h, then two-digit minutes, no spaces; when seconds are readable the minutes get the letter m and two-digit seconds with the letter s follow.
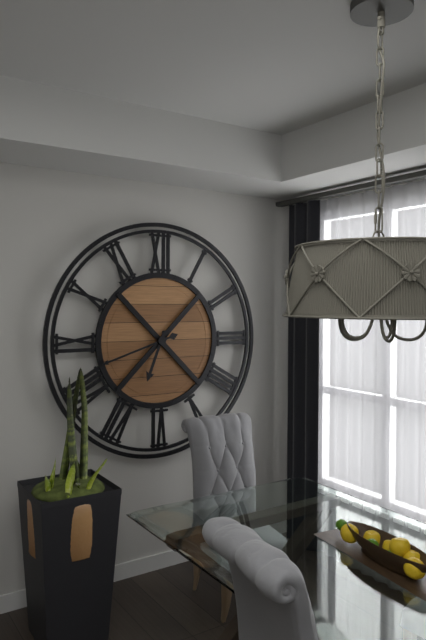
6h42
